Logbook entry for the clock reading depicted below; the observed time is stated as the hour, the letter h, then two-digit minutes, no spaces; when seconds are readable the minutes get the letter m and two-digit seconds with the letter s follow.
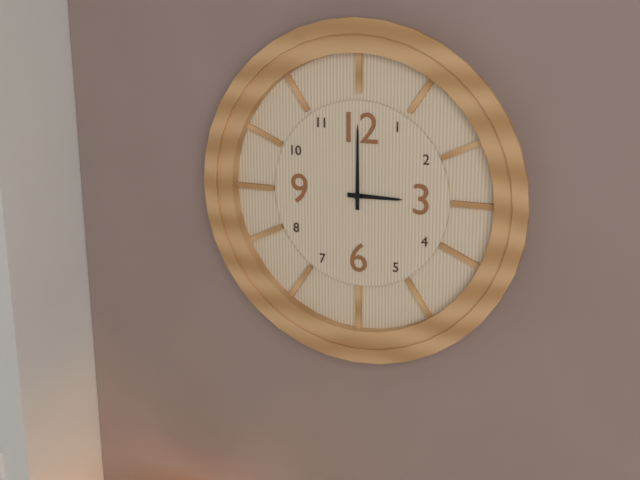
3h00
